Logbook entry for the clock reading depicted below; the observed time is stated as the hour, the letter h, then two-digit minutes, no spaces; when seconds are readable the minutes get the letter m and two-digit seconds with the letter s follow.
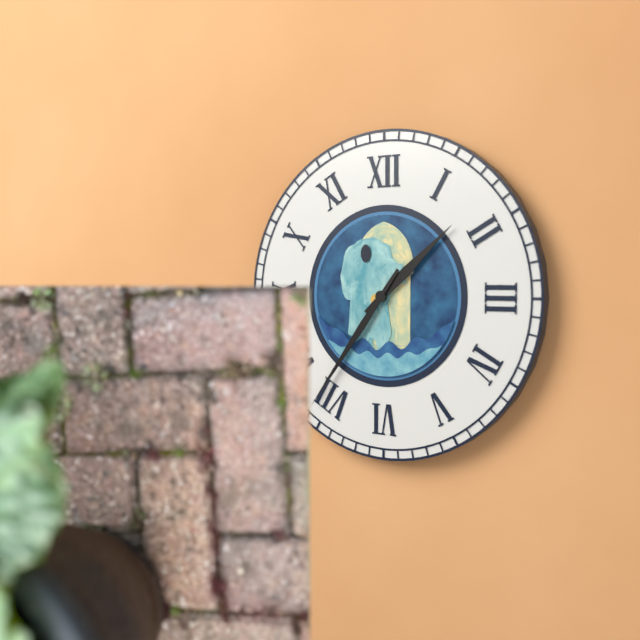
1h36
